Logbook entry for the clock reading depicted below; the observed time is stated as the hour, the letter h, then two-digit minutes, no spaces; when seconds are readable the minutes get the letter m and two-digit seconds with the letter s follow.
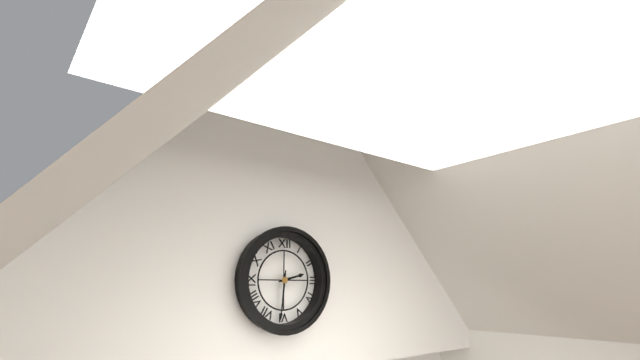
2h31
